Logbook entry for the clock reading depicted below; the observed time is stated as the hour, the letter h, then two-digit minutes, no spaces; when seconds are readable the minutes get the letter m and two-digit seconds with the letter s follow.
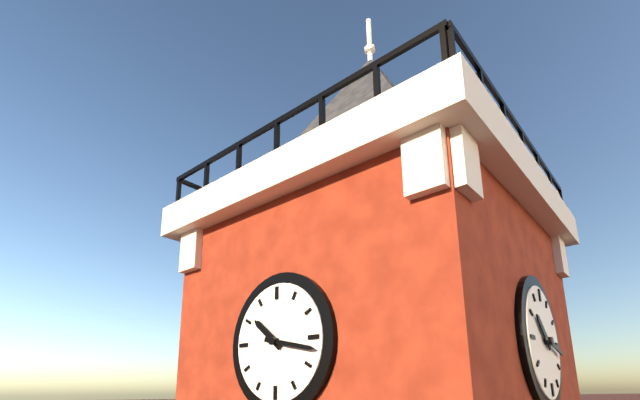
10h17
